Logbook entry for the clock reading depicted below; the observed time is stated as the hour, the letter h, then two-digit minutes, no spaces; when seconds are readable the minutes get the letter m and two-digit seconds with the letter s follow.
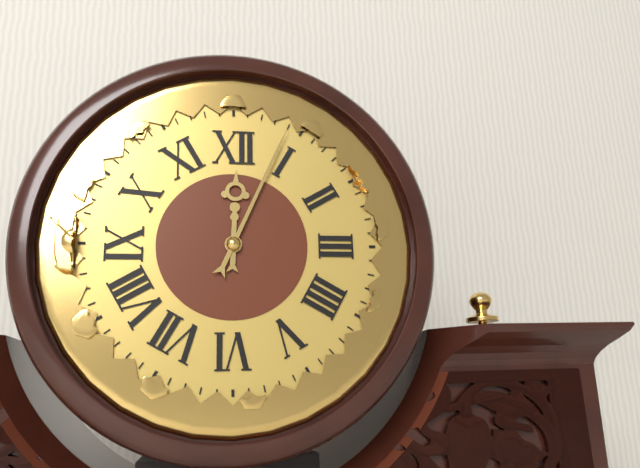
12h04
